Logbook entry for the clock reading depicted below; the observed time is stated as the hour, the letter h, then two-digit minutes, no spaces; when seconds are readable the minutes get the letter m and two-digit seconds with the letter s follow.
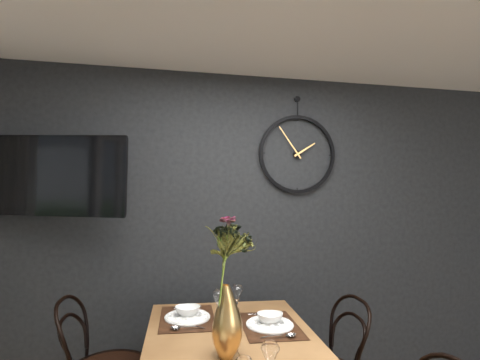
1h54
